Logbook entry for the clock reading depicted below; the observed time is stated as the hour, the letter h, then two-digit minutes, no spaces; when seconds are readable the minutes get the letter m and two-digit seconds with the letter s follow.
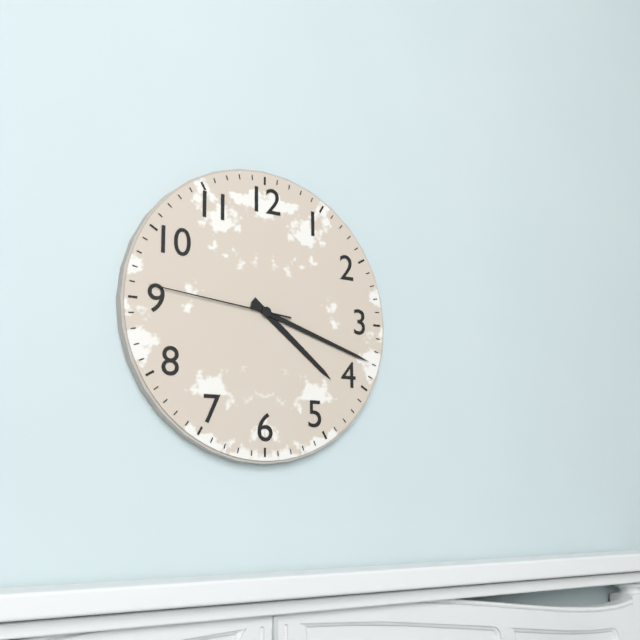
4h18m46s
